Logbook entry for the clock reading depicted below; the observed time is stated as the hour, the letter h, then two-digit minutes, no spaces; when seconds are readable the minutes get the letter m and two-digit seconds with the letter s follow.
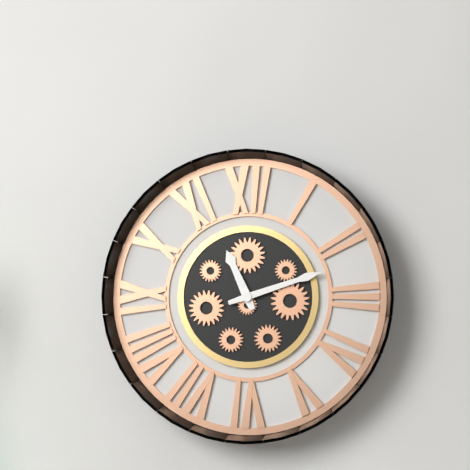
11h12
